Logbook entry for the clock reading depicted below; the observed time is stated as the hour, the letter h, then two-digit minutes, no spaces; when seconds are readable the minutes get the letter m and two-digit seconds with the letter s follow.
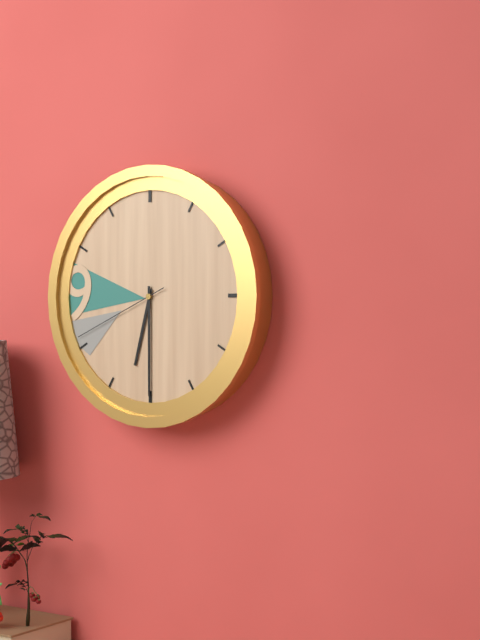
6h30m41s
